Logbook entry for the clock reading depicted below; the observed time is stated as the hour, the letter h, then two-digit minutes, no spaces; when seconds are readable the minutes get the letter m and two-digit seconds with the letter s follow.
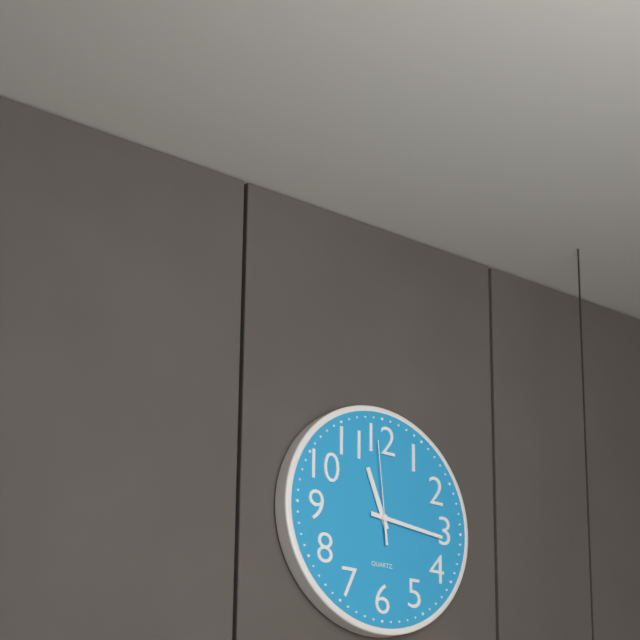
11h16m59s
